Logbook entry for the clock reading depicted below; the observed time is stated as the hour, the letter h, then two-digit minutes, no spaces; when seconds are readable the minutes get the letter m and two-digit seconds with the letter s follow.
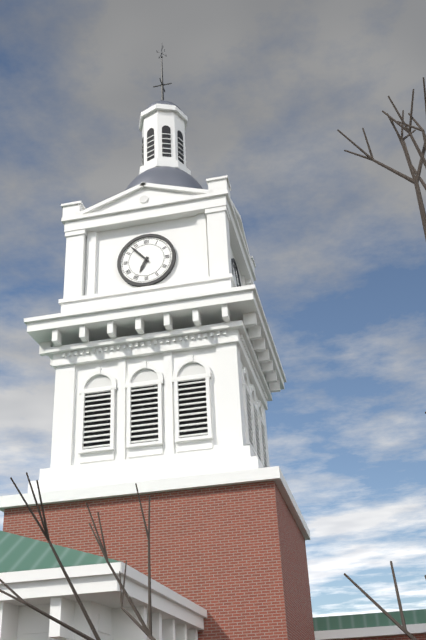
6h53
